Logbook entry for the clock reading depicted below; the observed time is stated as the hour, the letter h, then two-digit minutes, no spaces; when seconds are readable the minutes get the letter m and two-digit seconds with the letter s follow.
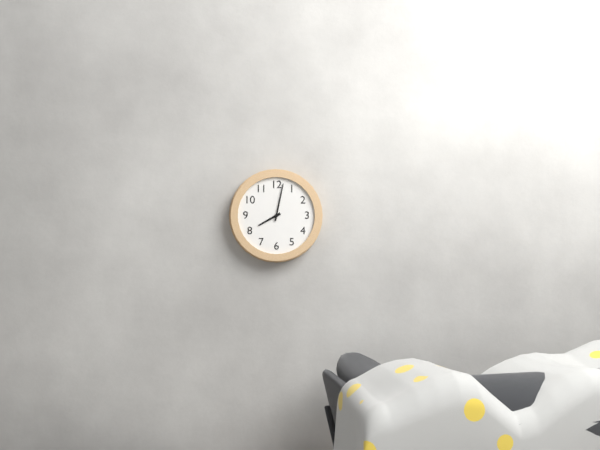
8h02
